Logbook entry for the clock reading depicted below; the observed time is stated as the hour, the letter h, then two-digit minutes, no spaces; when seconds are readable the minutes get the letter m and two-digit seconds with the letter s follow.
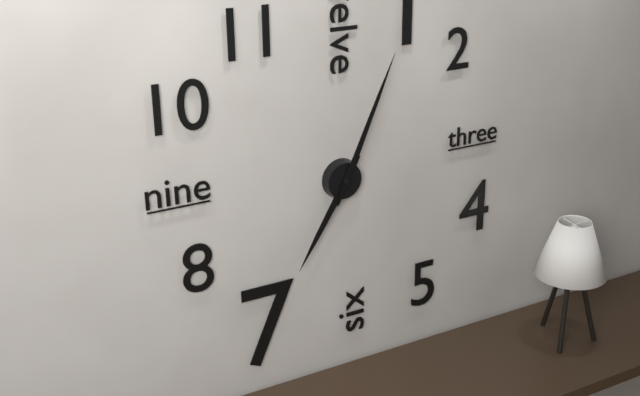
7h04
